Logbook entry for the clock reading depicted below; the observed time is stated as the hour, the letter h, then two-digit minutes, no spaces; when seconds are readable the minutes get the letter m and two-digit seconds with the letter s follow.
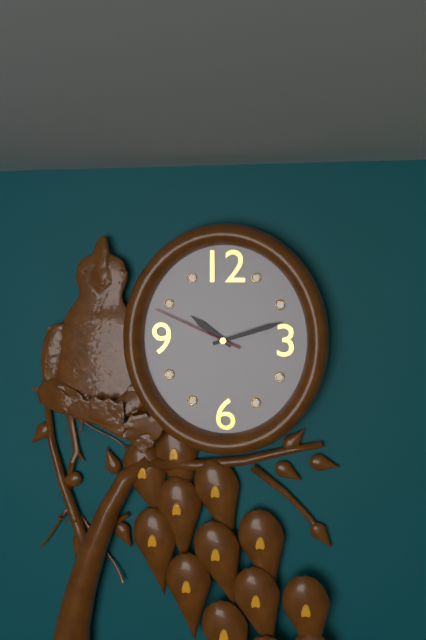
10h12m49s
